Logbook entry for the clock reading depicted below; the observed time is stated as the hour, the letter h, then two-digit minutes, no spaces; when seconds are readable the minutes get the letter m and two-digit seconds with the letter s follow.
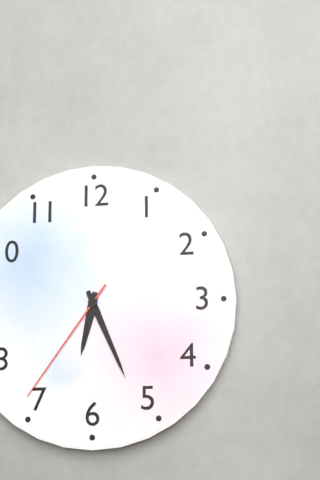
6h26m36s
